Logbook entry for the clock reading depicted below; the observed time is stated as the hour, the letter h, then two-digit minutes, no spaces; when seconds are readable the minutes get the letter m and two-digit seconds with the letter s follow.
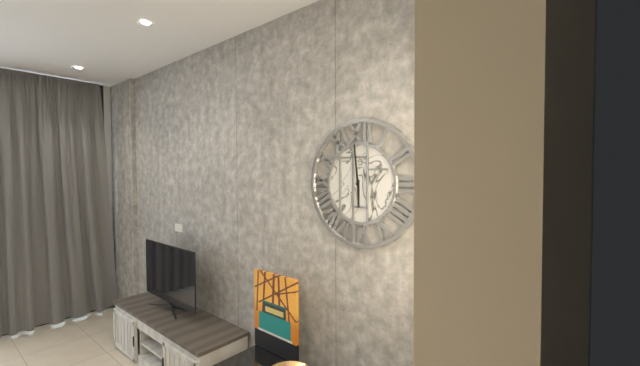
5h59
